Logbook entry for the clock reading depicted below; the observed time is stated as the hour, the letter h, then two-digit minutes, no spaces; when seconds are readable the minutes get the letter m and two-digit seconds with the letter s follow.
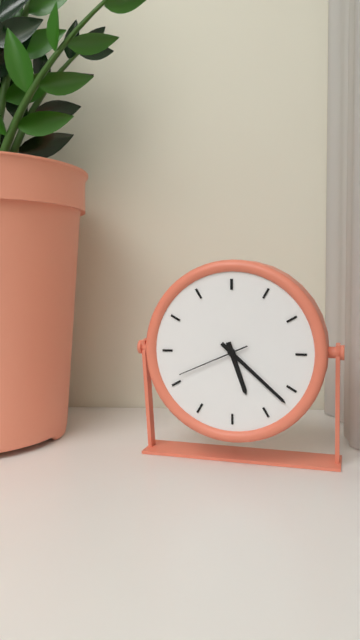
5h22m41s
